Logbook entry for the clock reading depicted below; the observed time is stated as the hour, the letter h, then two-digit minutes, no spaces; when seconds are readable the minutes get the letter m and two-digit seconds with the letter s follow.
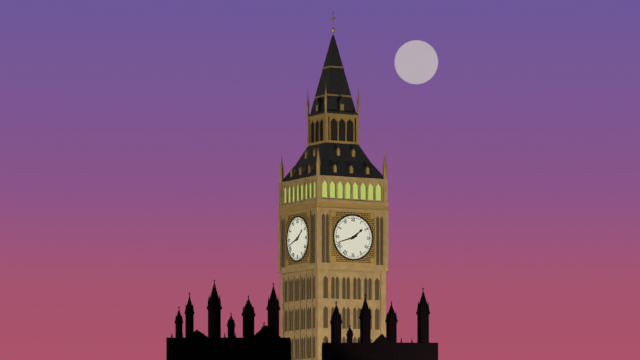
1h42
